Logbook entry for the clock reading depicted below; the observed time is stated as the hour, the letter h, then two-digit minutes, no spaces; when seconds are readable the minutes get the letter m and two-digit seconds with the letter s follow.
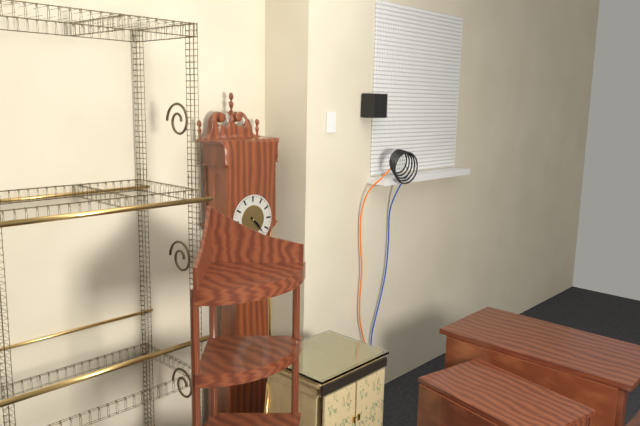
4h23
